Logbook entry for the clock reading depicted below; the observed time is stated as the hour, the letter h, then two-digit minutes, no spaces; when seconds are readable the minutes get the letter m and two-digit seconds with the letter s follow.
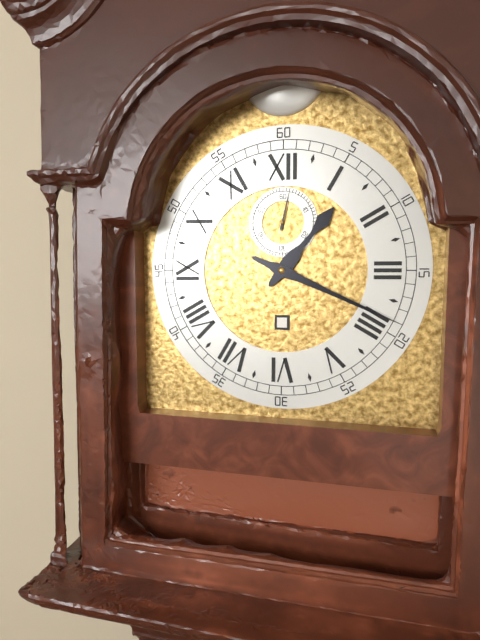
1h19
